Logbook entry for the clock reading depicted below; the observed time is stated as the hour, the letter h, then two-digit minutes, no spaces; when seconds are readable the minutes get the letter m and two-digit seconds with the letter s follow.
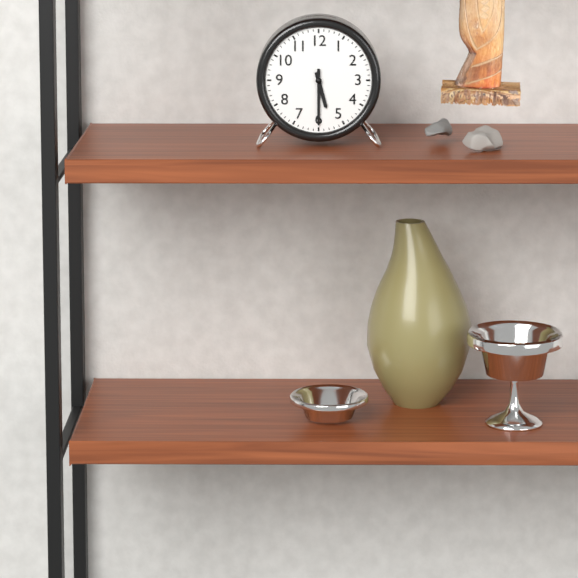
5h30
